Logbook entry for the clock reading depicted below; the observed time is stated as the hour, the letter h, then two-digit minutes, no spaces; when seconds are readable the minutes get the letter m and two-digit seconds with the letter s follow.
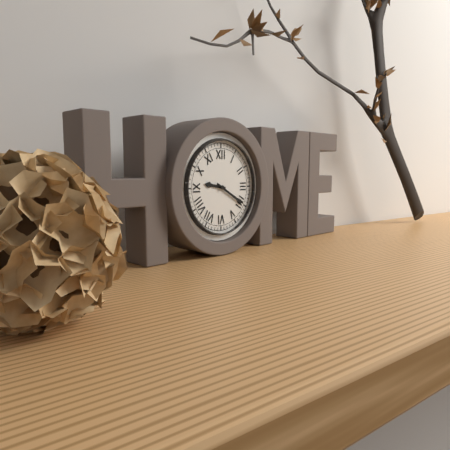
9h20
